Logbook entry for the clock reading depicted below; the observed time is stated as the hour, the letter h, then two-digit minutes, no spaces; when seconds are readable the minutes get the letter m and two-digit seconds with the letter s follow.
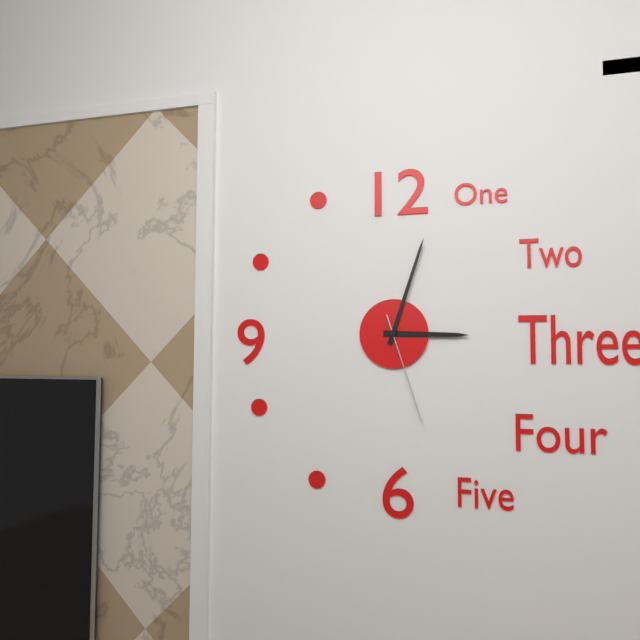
3h03m27s
